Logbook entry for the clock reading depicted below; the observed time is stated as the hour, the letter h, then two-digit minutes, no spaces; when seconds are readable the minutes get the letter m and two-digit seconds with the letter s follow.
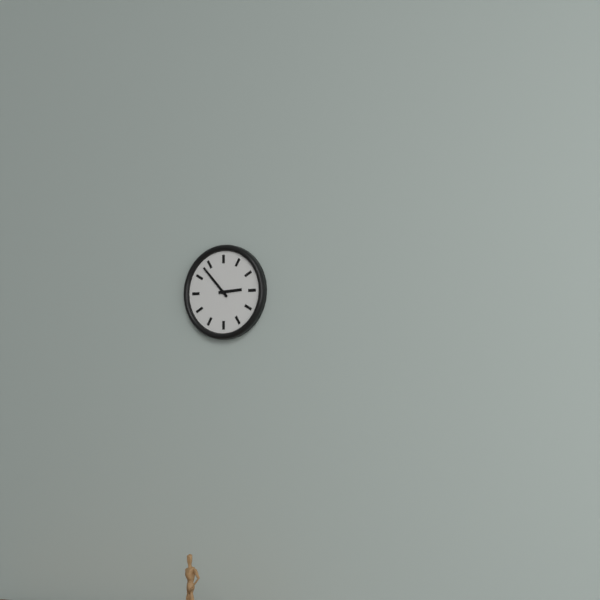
2h53
